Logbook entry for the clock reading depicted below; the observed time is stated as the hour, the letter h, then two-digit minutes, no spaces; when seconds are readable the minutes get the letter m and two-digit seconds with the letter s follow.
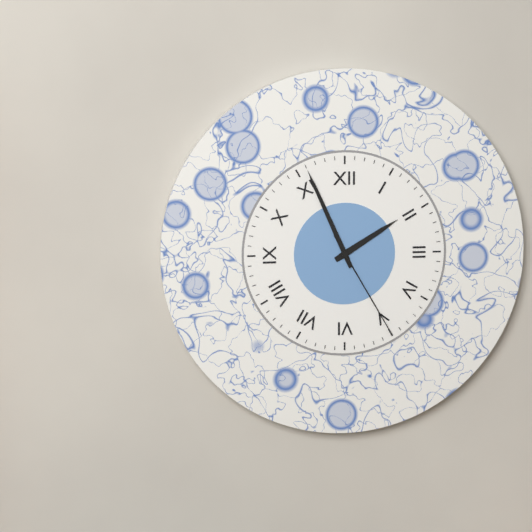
1h56m25s
